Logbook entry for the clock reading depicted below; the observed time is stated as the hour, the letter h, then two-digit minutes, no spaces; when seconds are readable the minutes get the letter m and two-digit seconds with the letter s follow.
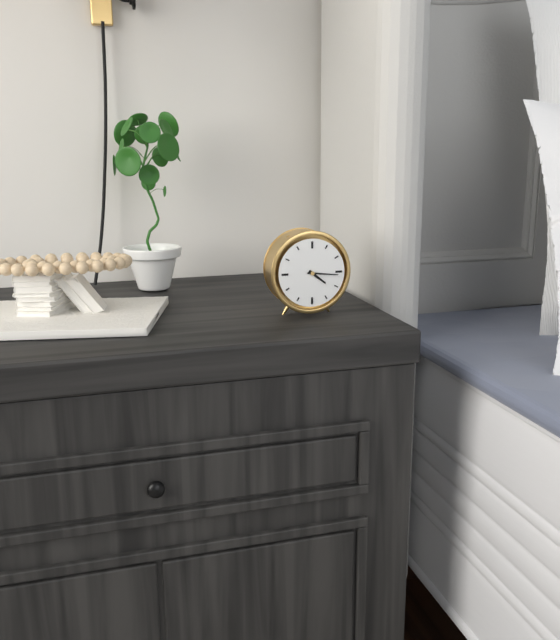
4h16
